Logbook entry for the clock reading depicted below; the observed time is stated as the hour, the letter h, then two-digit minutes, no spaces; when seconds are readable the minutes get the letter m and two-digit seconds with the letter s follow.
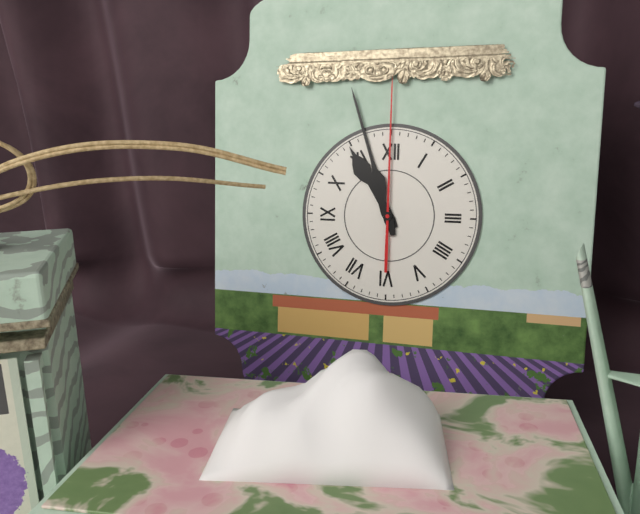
10h57m00s
